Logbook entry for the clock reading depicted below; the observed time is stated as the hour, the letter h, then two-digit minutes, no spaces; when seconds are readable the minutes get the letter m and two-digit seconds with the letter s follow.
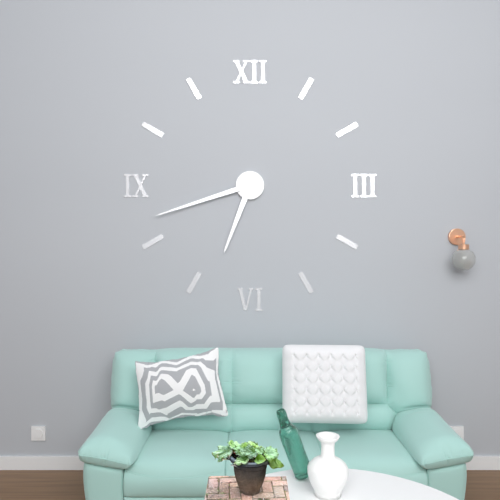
6h42
